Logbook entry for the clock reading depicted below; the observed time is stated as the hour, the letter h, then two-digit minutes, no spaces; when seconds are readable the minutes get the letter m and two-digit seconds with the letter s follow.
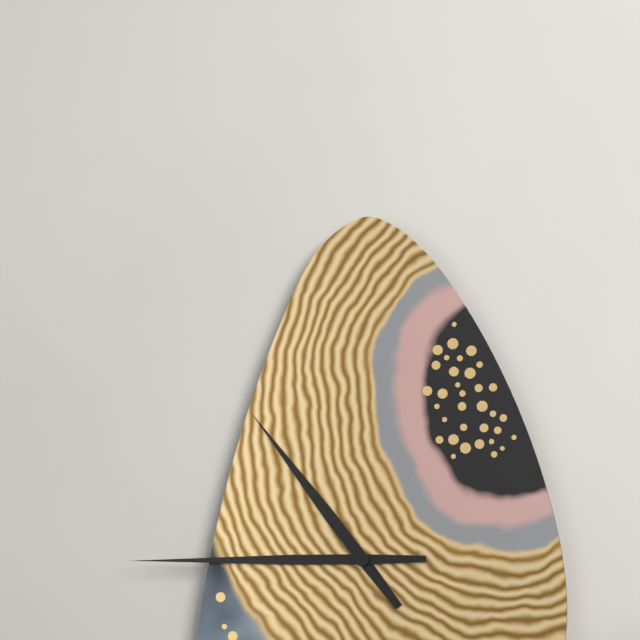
10h45
